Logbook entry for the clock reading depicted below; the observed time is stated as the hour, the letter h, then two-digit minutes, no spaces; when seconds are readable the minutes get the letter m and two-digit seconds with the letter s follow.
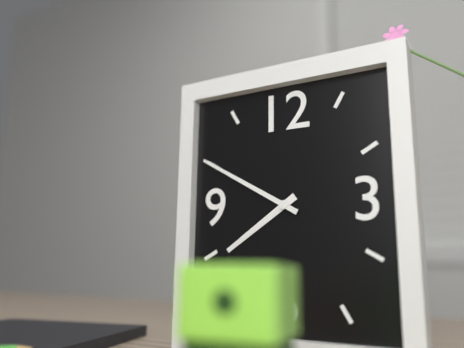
7h50
